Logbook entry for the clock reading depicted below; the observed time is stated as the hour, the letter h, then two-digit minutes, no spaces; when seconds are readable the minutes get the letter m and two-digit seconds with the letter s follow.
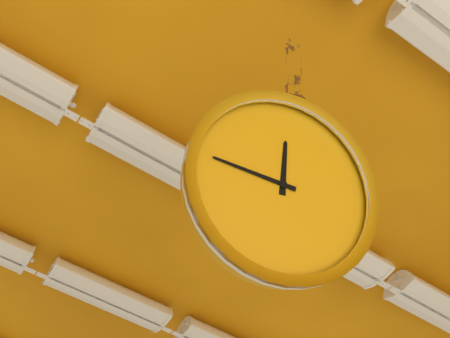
11h45
